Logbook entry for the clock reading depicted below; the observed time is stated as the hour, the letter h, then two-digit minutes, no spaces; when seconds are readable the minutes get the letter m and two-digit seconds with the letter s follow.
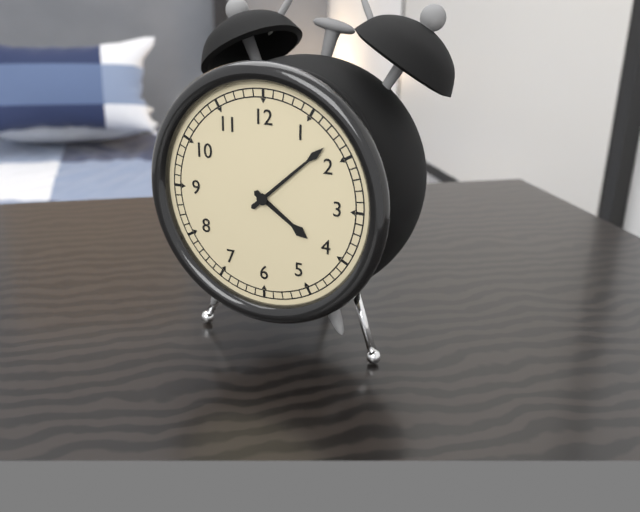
4h08
